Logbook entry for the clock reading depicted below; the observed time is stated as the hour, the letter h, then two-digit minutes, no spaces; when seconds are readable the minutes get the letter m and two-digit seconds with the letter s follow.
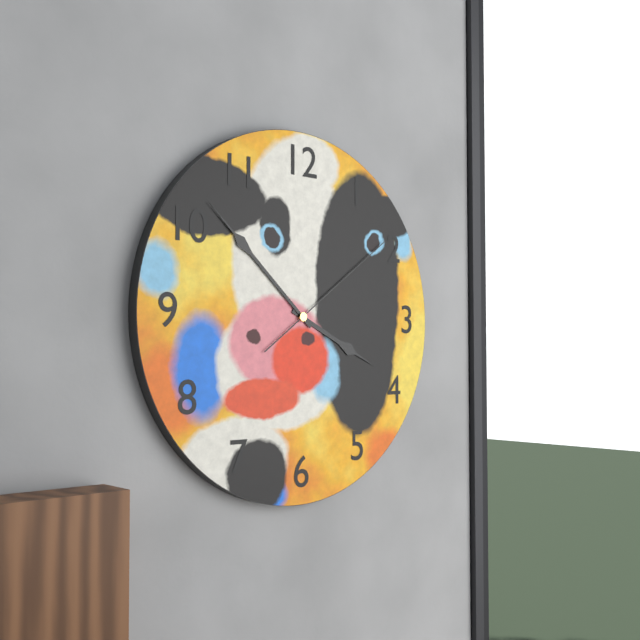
3h52m09s
